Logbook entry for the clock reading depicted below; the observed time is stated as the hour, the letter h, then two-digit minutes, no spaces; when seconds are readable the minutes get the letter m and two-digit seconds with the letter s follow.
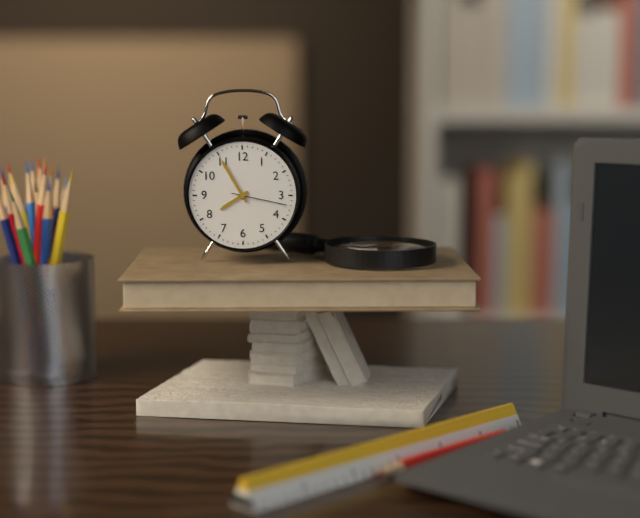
7h55m17s
